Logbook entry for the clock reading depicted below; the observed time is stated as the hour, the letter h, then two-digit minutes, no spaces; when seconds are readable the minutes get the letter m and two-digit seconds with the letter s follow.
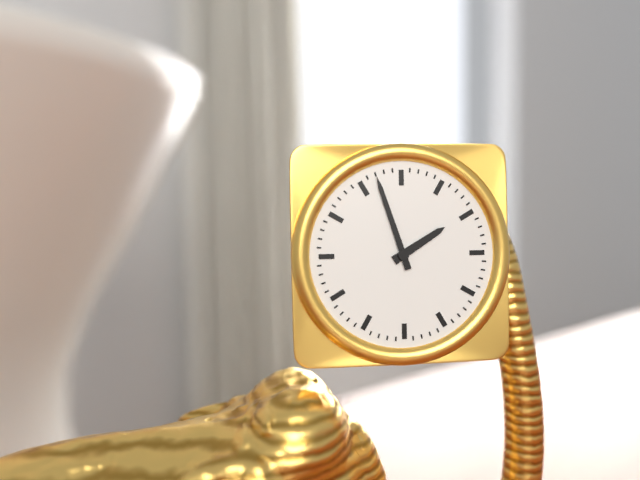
1h57
